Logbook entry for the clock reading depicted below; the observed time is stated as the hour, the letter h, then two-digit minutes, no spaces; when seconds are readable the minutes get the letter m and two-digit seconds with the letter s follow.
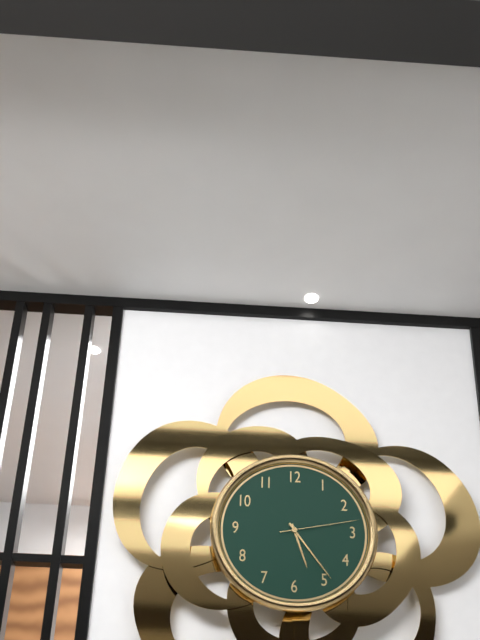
5h24m13s
